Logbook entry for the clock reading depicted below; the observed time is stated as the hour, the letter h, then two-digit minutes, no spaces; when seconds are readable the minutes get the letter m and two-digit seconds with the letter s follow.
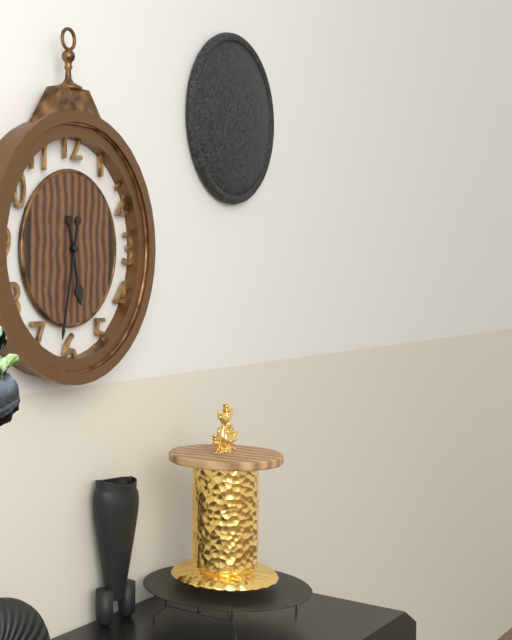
5h32
